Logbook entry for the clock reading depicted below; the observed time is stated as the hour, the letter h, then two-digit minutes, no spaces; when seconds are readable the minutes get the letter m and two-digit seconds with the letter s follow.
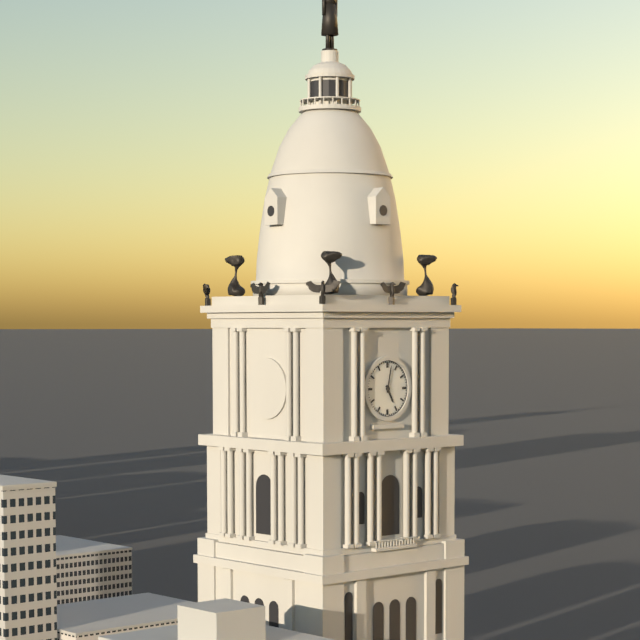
5h02
